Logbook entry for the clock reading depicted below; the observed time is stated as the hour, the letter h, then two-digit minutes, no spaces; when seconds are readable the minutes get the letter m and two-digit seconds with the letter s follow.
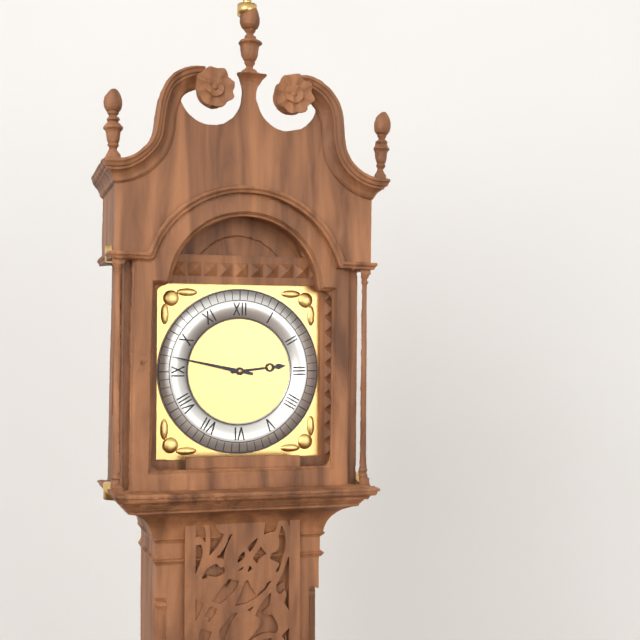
2h47
